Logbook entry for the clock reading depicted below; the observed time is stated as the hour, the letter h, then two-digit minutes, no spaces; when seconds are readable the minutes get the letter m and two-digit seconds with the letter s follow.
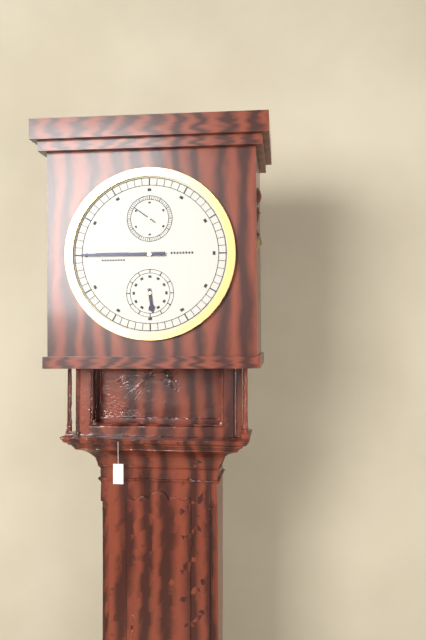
5h45
